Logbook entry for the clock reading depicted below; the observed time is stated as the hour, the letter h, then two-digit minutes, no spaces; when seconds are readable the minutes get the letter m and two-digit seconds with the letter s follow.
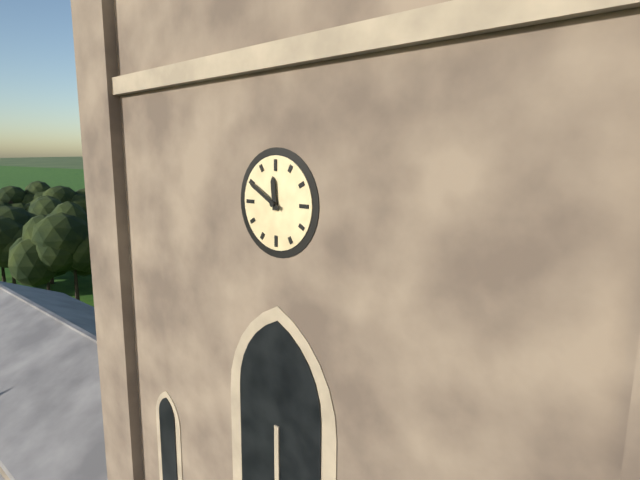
11h50
